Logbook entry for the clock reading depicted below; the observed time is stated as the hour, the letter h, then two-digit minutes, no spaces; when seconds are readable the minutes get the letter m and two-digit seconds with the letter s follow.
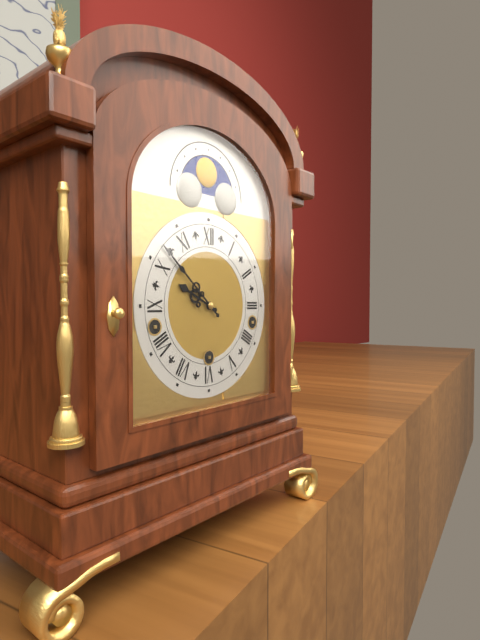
9h52
